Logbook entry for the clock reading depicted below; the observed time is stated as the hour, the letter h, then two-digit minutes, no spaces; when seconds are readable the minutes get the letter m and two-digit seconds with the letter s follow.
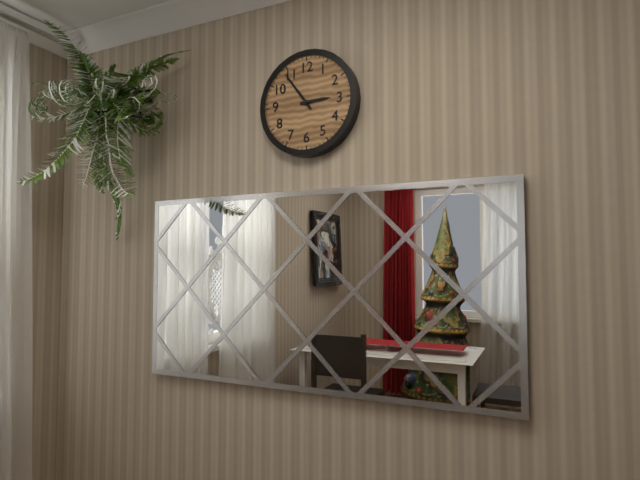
2h54
